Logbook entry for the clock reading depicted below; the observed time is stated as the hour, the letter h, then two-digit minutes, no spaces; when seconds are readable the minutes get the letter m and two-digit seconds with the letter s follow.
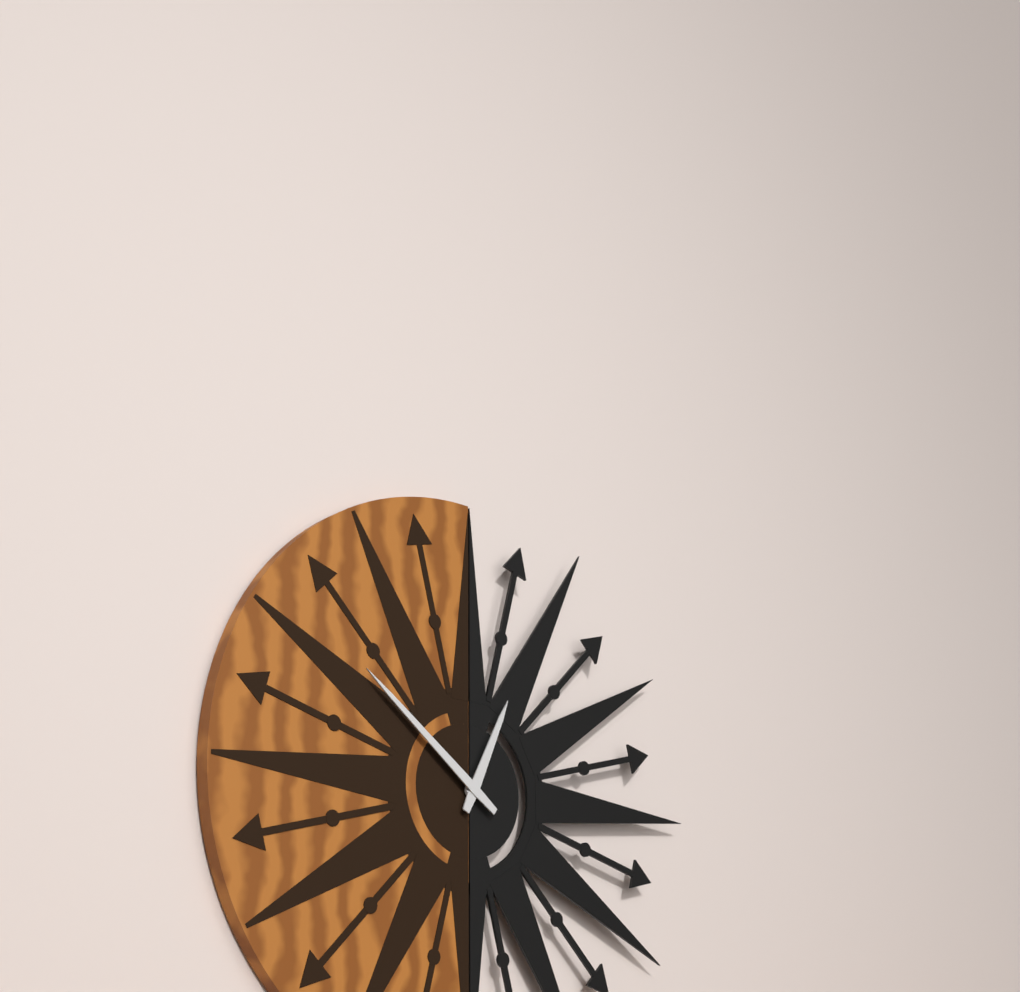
12h51
